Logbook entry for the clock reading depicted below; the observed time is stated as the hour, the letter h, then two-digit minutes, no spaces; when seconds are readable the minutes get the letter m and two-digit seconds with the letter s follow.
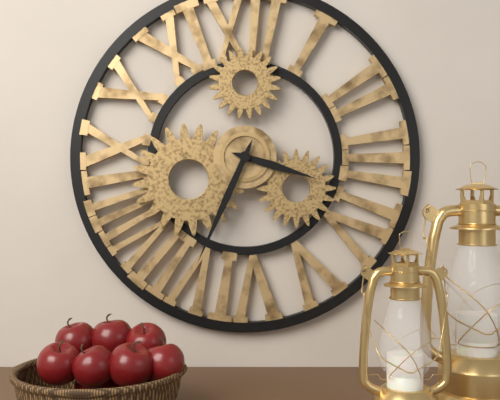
3h34
